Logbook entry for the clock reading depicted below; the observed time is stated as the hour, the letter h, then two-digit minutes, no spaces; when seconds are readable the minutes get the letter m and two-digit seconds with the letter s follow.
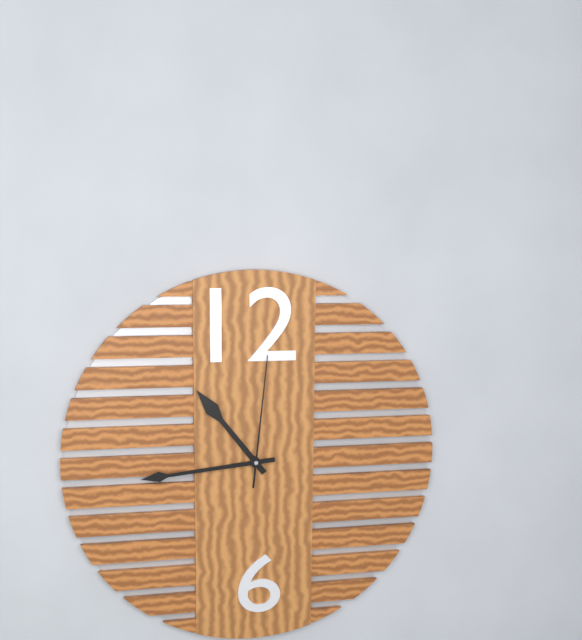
10h44m01s
